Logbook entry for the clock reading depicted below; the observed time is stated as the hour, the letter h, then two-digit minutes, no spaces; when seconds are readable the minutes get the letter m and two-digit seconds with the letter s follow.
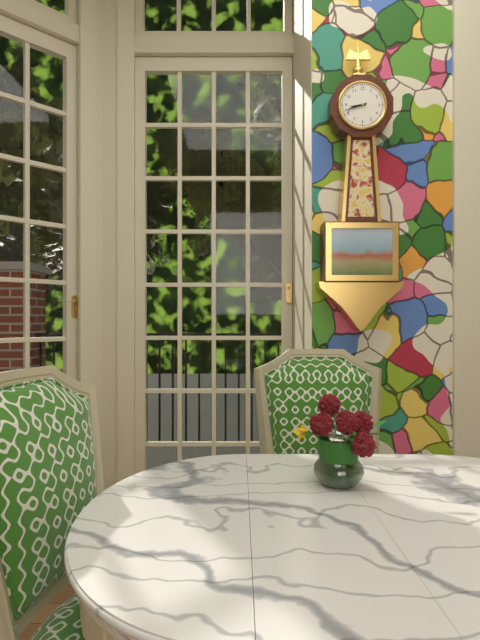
8h42
